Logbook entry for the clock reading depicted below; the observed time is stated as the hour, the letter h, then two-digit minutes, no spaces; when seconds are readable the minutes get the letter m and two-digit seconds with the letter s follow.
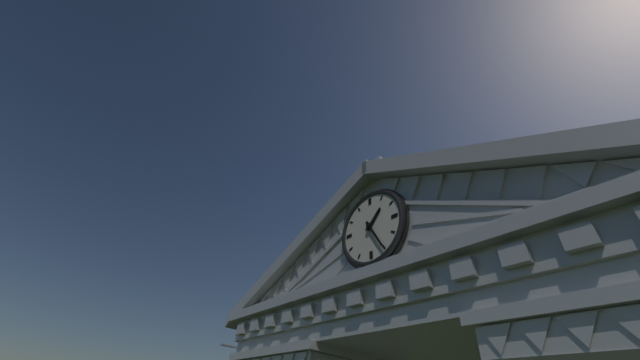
1h25
